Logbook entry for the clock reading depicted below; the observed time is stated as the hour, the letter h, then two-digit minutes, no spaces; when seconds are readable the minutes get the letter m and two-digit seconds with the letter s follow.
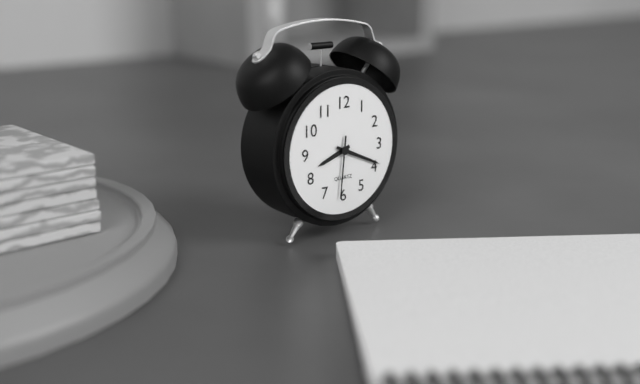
8h19m31s
